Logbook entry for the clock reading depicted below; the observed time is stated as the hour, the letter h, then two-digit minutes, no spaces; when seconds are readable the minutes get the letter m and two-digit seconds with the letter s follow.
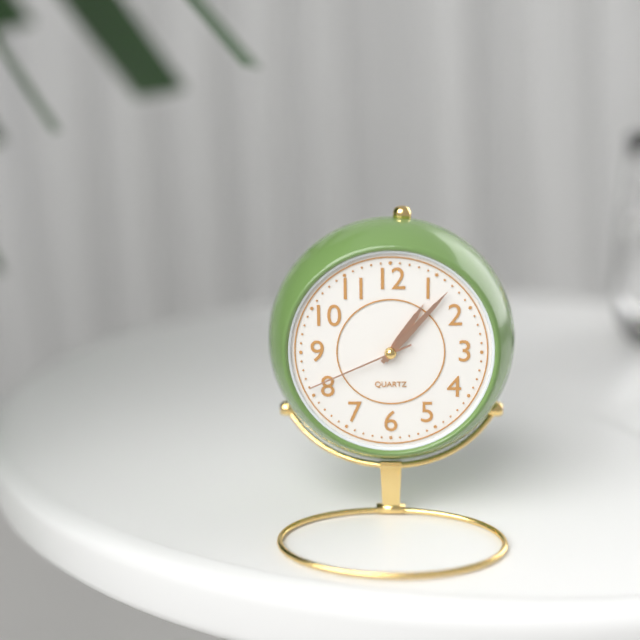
1h07m41s
